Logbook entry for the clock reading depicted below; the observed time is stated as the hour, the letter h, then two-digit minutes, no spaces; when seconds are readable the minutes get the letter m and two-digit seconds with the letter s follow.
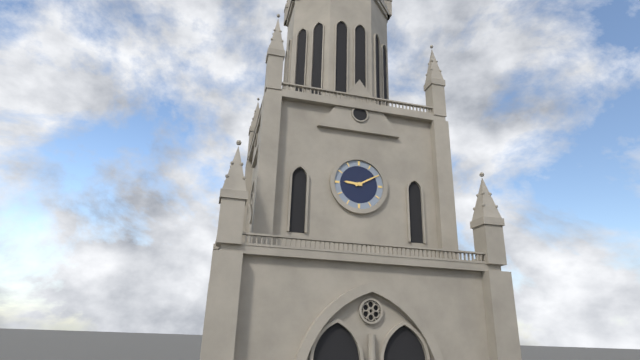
9h10
